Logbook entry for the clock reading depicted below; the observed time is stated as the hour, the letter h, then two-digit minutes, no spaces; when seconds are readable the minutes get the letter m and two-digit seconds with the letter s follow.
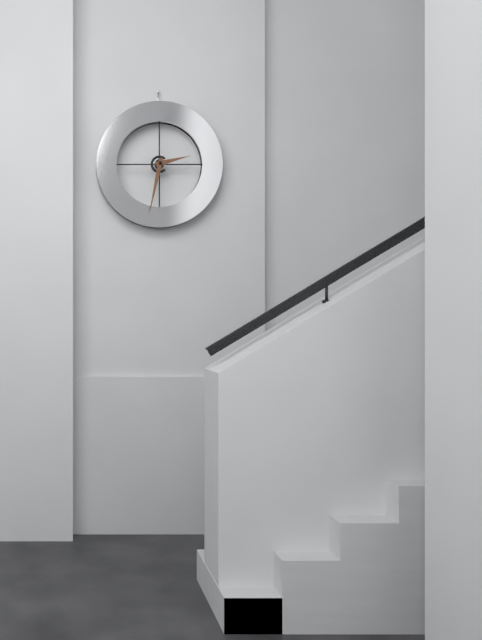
2h32
